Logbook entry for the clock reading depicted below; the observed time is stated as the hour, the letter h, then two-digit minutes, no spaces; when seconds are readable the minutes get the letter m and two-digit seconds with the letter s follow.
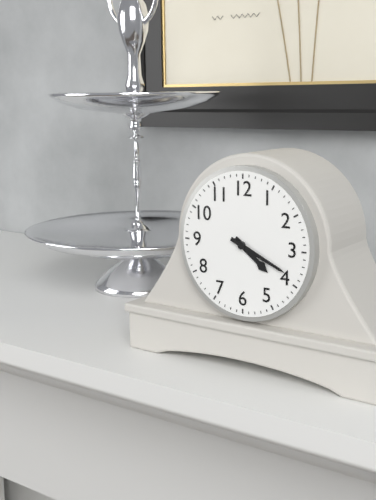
4h19
